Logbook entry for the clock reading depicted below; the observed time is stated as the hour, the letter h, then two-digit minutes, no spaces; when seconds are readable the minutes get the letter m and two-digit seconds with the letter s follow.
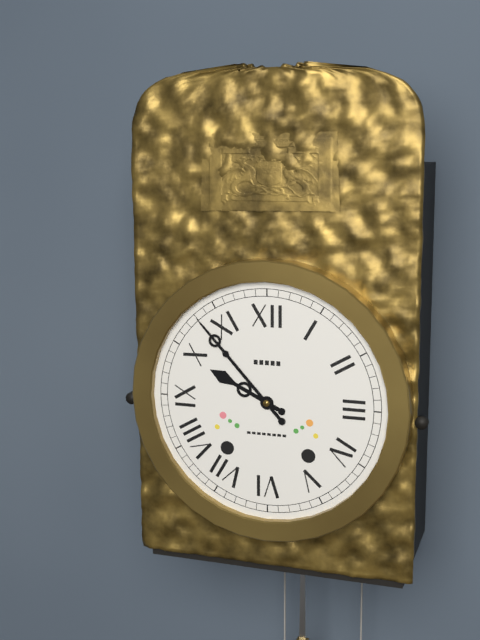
9h53
